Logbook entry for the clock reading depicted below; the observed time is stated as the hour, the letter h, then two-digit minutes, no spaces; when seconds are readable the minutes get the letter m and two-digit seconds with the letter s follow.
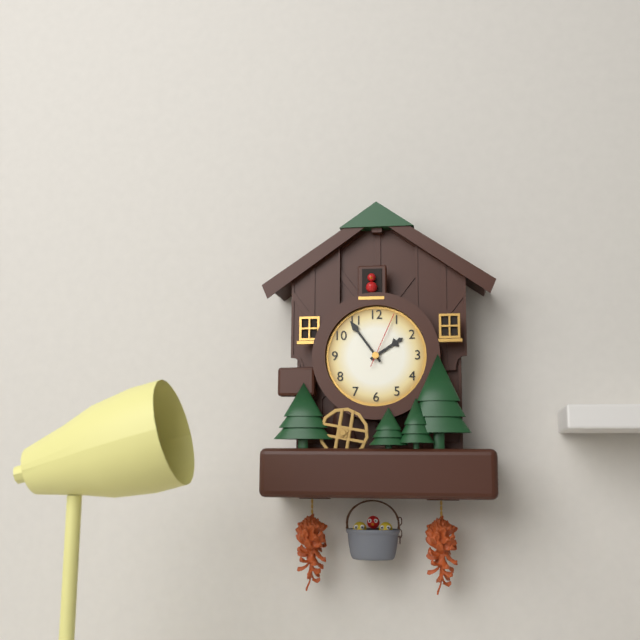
1h54m04s
